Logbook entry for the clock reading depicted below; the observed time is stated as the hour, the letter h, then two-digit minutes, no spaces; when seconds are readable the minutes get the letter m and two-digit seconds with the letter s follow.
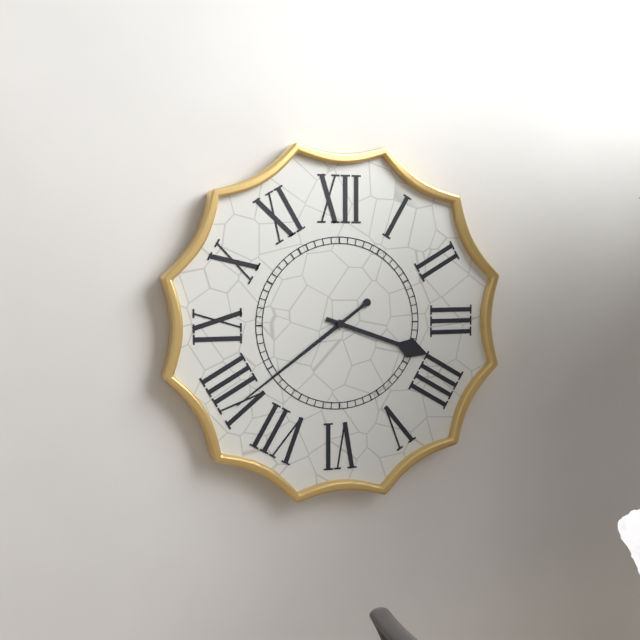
3h39
